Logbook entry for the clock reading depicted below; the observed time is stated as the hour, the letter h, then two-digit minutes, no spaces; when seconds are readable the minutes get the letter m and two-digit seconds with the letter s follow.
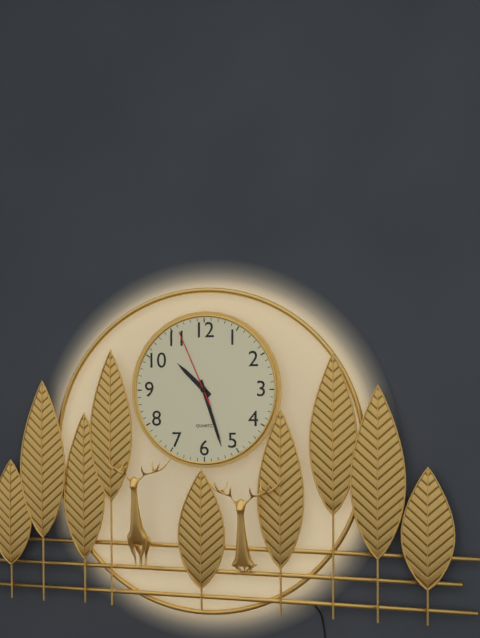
10h27m56s
